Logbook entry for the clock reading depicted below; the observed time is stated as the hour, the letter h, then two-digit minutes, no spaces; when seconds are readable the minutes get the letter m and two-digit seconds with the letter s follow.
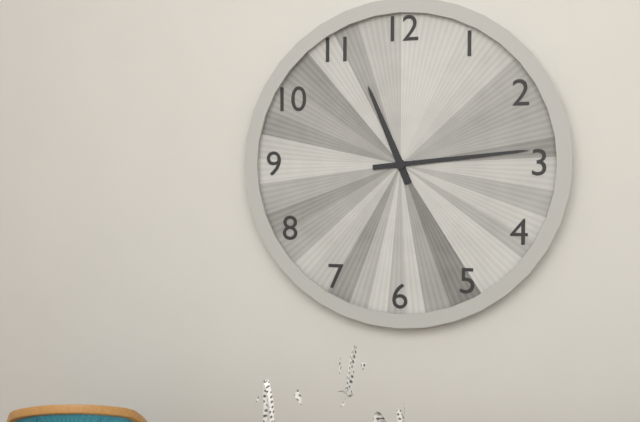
11h14
